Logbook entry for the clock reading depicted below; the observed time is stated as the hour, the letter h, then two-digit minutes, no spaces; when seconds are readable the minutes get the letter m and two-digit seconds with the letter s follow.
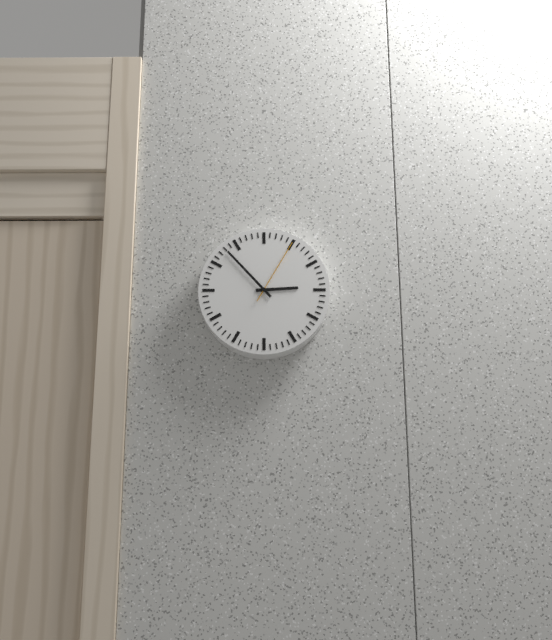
2h53m05s
